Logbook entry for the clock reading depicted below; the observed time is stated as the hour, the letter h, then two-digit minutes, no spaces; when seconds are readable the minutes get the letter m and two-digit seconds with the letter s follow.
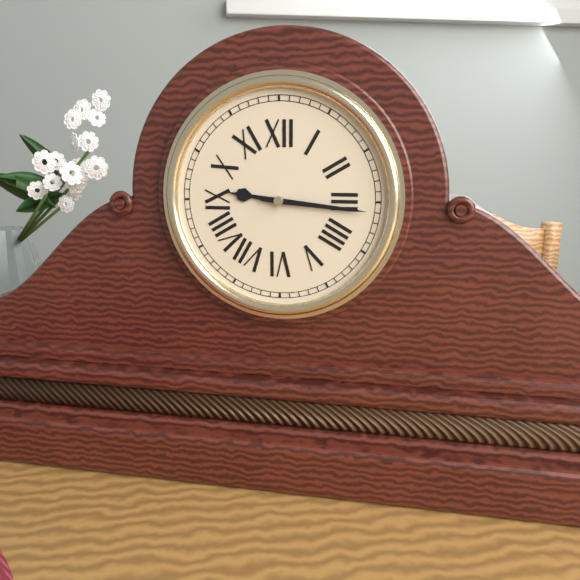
9h16
